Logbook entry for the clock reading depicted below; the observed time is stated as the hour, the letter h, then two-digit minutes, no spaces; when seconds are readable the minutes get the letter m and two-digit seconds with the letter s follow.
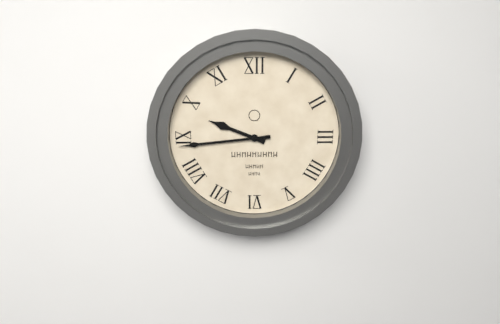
9h44
